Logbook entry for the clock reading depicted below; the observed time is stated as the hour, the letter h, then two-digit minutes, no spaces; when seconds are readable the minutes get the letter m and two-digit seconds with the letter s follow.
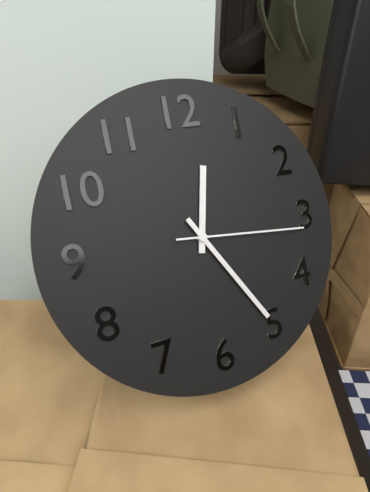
12h25m16s
